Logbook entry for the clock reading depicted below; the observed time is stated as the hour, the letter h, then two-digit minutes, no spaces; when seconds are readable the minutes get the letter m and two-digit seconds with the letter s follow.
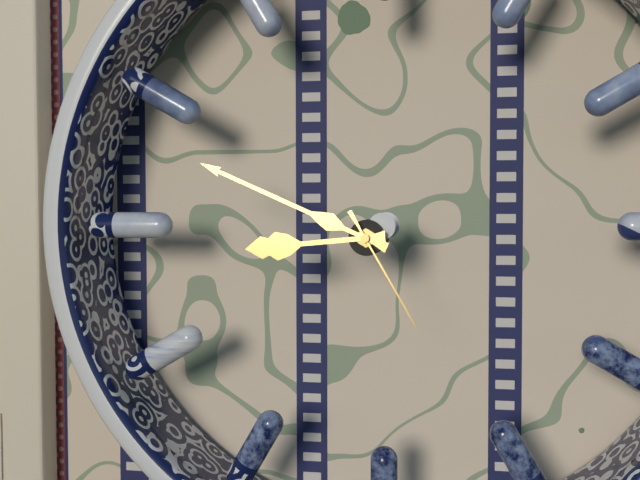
8h49m25s
